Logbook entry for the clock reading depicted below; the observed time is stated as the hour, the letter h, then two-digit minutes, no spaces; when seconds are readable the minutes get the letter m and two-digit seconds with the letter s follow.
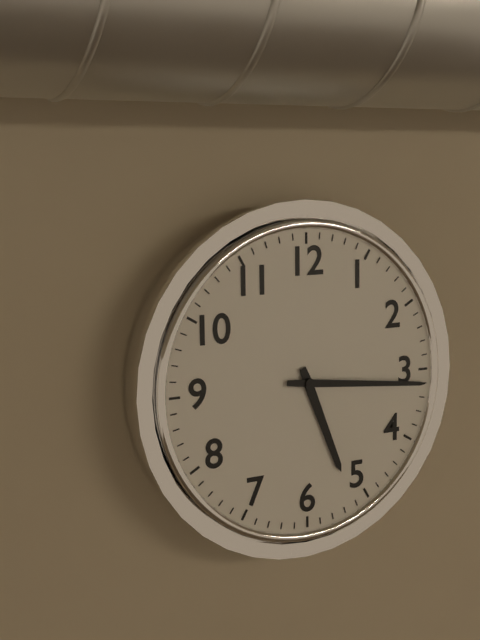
5h16
